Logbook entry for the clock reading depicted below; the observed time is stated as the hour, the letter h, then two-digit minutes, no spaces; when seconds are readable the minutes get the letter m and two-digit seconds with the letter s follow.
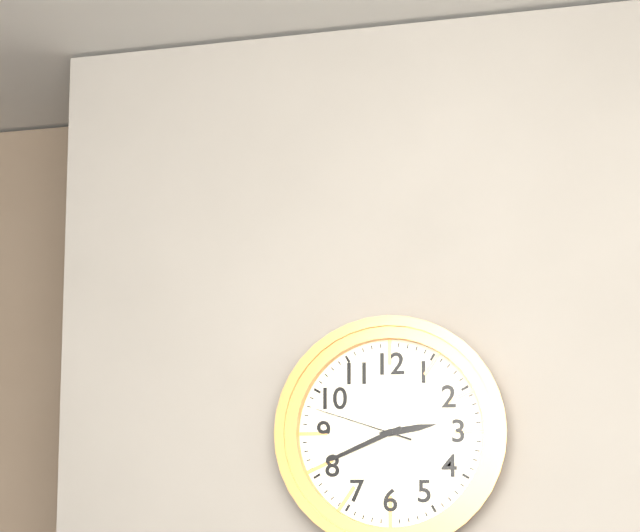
2h41m48s
